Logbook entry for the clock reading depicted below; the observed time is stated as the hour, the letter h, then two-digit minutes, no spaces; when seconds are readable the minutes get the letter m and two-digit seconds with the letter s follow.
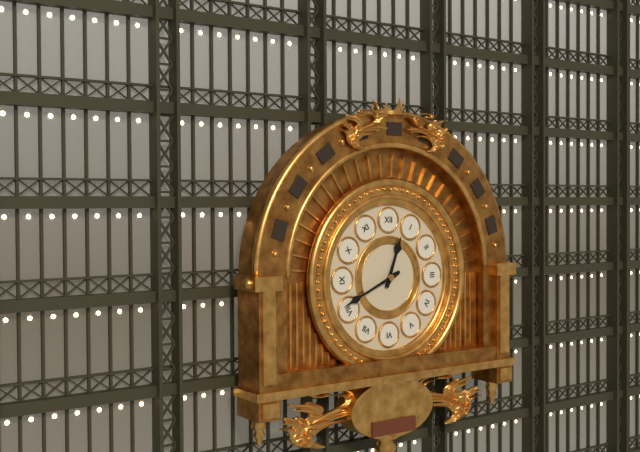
12h41
